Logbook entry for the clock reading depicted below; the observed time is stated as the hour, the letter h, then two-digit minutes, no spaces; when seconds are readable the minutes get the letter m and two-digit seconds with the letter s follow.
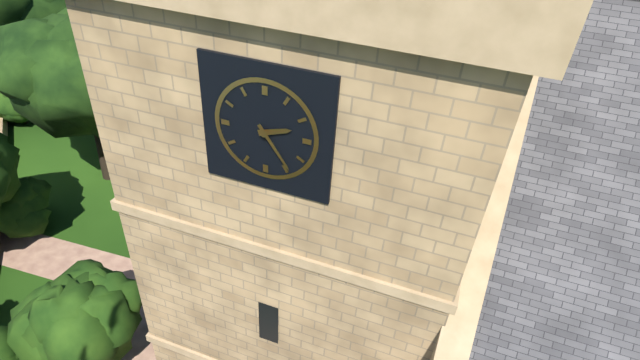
2h24
